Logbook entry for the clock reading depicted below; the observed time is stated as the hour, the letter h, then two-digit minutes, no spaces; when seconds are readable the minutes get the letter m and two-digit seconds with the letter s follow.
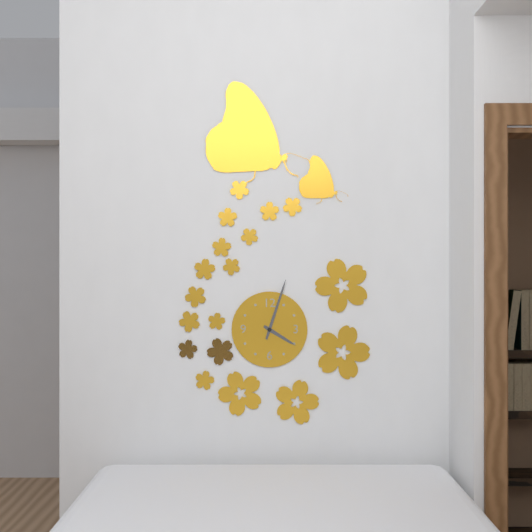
4h03
